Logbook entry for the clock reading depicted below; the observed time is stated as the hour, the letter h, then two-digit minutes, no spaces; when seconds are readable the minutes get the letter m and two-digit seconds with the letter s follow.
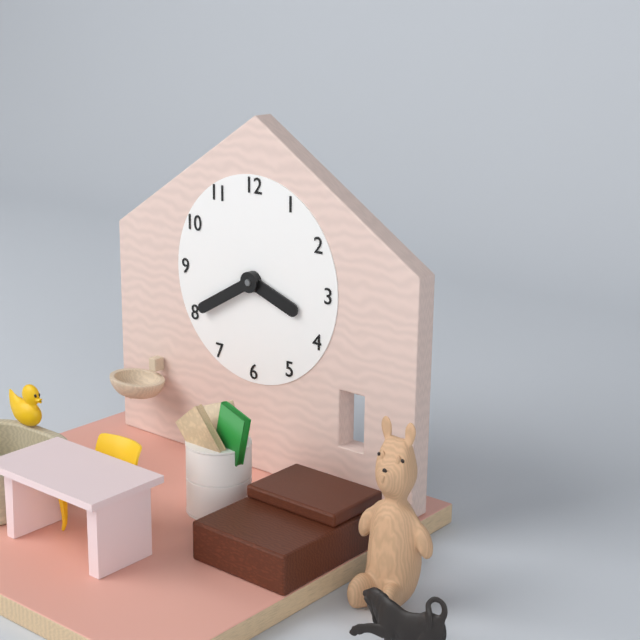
3h40
